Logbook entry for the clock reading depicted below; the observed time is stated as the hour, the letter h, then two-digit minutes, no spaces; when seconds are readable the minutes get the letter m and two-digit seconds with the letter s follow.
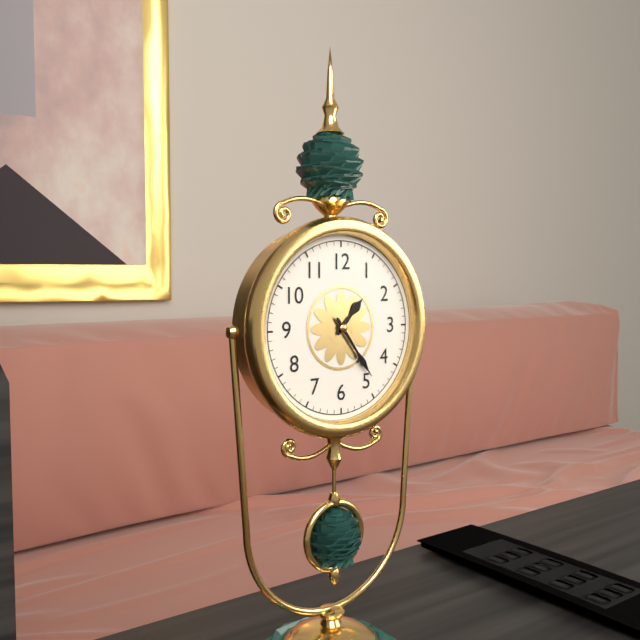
1h24
